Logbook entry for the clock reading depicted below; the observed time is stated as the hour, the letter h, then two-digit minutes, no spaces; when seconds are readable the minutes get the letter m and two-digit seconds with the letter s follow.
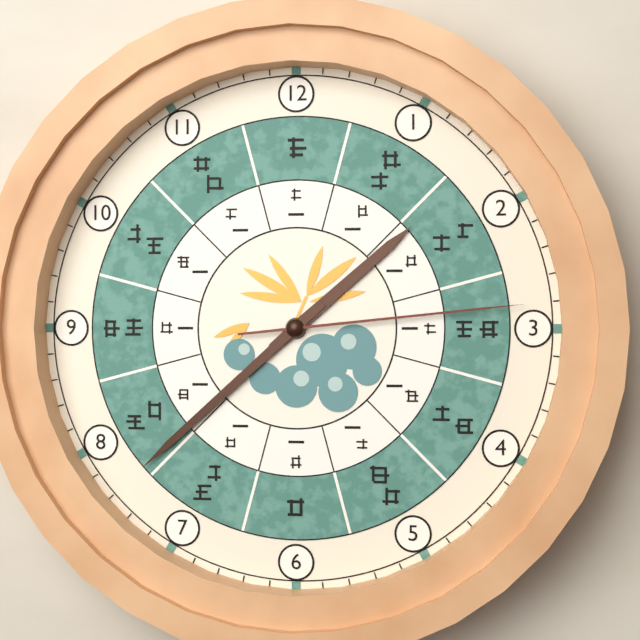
1h38m14s
